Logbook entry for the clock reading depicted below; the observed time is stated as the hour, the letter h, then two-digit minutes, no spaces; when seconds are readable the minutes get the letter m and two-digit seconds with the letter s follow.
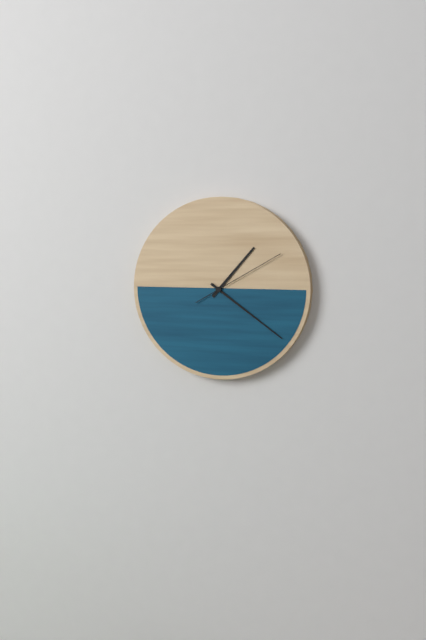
1h21m10s
